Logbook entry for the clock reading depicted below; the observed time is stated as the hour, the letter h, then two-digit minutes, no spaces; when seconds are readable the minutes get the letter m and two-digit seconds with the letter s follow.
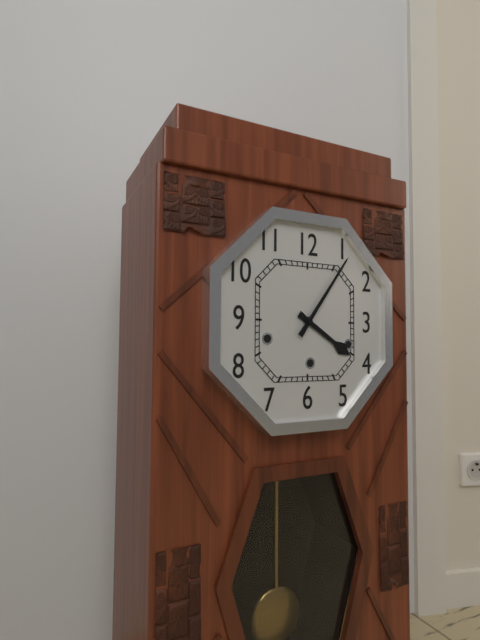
4h06
